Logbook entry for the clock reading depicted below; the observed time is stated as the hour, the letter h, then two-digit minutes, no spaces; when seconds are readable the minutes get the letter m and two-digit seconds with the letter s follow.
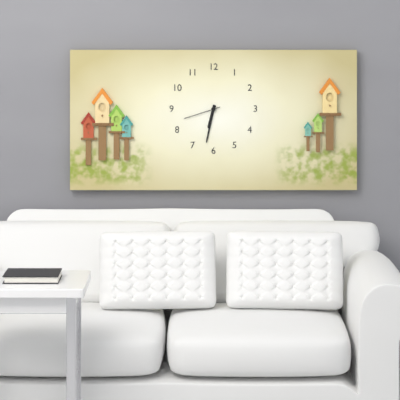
6h32
